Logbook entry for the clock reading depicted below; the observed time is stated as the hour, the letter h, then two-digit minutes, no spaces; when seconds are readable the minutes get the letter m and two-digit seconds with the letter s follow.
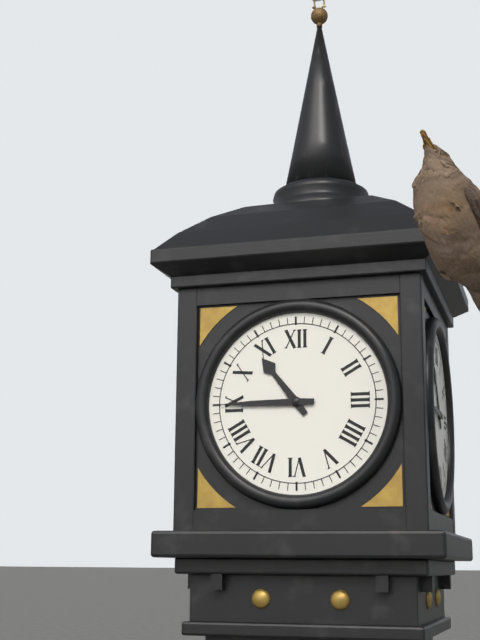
10h45
